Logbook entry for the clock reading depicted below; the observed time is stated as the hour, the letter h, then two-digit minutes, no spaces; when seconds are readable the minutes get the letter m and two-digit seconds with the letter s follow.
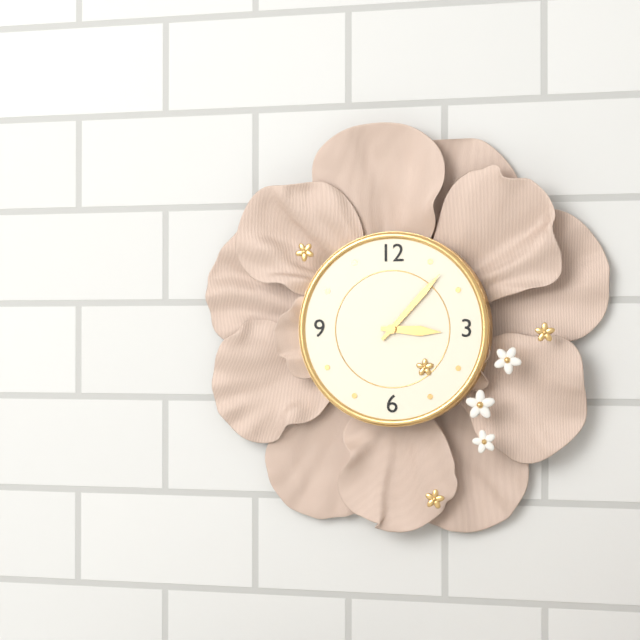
3h07
